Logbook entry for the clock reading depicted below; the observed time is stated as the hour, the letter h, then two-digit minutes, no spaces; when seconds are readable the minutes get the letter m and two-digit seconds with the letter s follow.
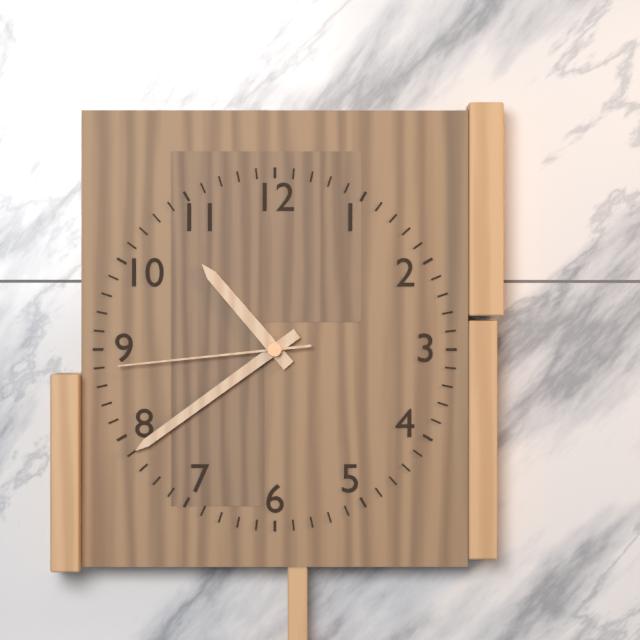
10h39m44s
